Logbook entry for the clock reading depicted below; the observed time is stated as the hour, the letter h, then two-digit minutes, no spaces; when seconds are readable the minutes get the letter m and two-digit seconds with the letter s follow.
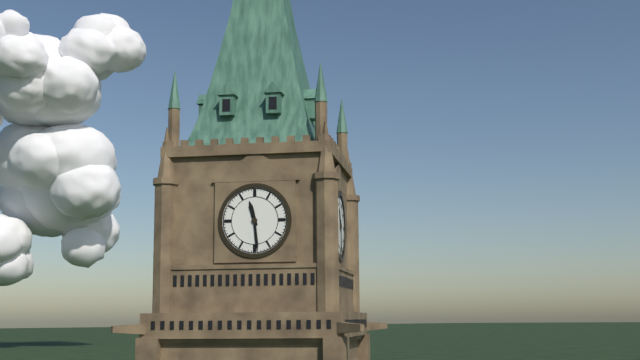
11h29
